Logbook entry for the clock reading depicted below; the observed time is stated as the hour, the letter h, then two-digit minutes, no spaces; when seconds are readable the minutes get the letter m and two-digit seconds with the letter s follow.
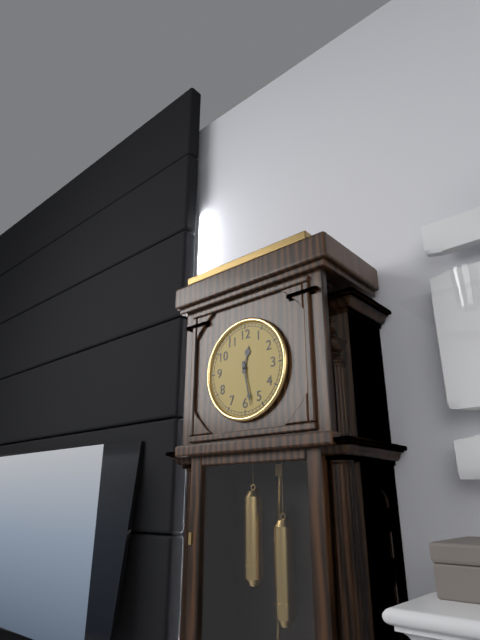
12h28
